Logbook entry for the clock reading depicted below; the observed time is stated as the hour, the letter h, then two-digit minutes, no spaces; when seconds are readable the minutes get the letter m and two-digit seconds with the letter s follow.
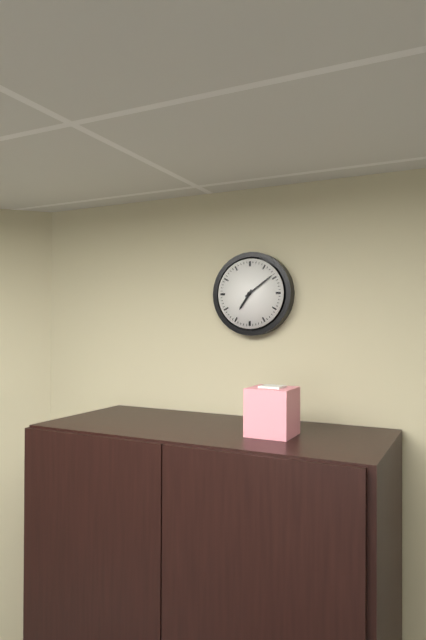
7h09
